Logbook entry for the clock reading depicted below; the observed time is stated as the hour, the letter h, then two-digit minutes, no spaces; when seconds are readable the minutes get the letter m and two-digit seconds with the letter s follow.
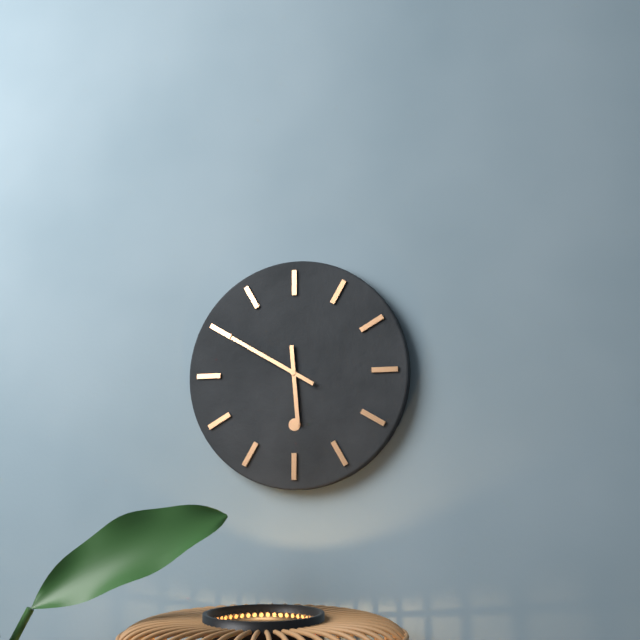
5h50
